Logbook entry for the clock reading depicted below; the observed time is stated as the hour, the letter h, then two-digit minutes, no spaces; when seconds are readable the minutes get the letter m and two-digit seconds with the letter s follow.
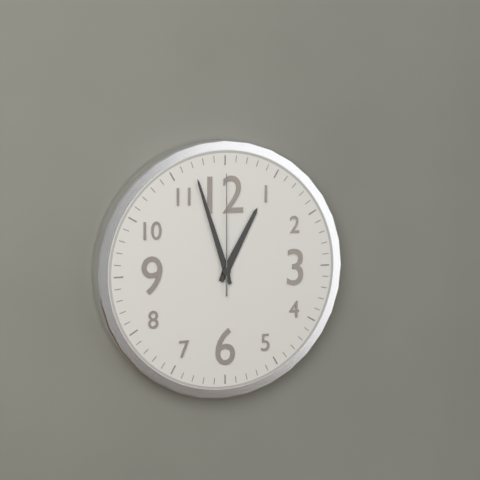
12h57m00s
